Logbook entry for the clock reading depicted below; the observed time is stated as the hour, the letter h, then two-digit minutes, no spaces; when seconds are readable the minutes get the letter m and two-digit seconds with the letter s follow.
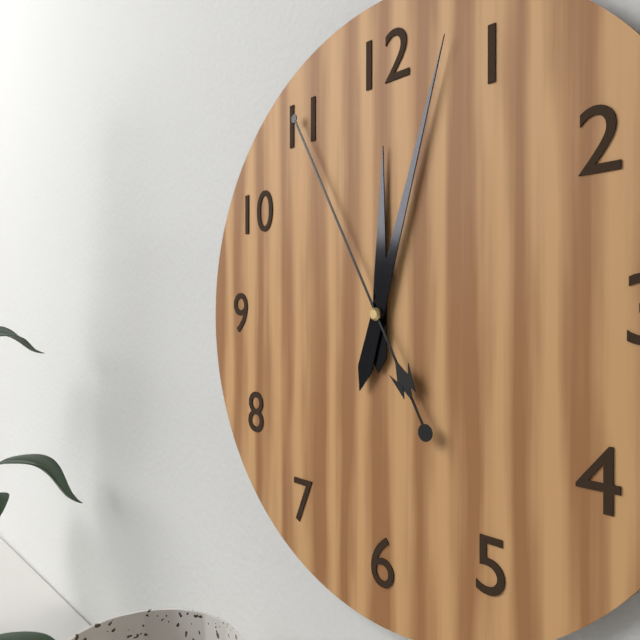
12h03m55s
